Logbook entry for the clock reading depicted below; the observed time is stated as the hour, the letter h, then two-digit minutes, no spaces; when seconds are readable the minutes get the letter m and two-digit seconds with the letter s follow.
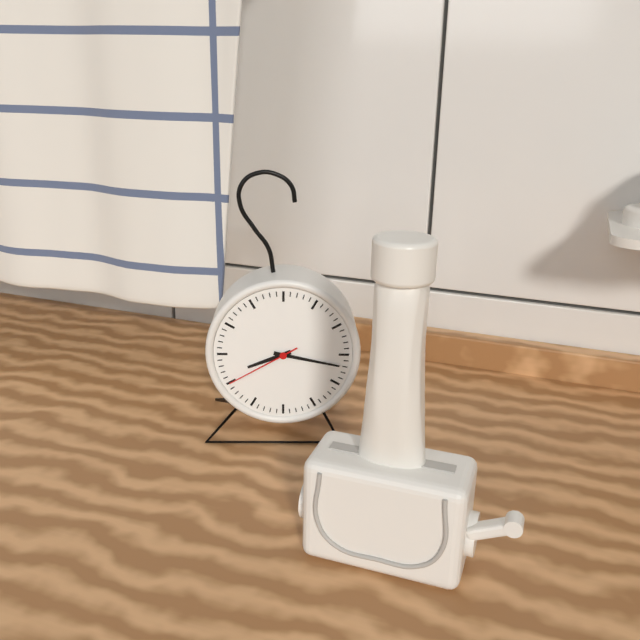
8h17m40s
